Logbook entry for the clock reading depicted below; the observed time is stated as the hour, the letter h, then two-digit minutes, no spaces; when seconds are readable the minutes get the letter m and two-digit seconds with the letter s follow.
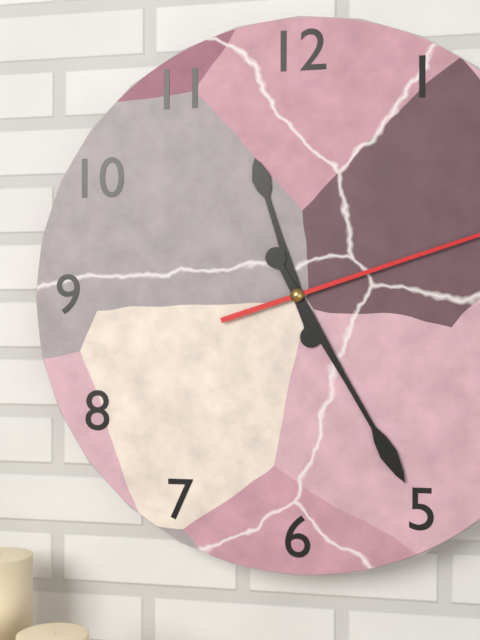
11h25
